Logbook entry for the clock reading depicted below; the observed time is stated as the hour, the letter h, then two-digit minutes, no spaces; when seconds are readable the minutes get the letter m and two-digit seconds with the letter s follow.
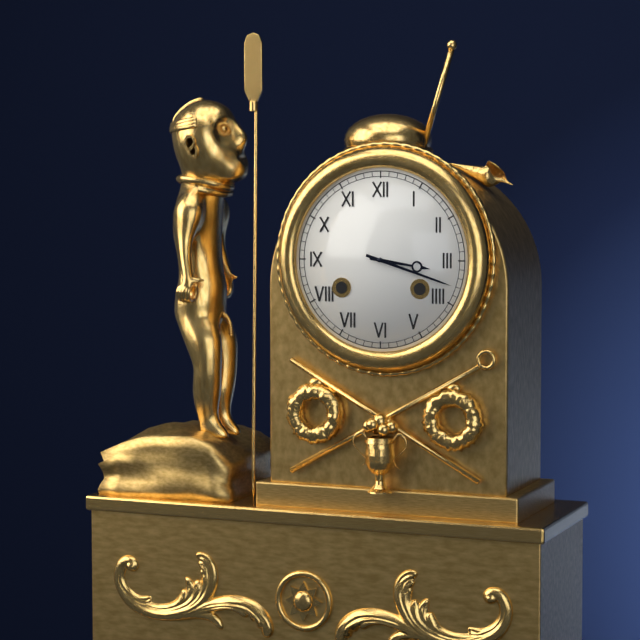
3h18
